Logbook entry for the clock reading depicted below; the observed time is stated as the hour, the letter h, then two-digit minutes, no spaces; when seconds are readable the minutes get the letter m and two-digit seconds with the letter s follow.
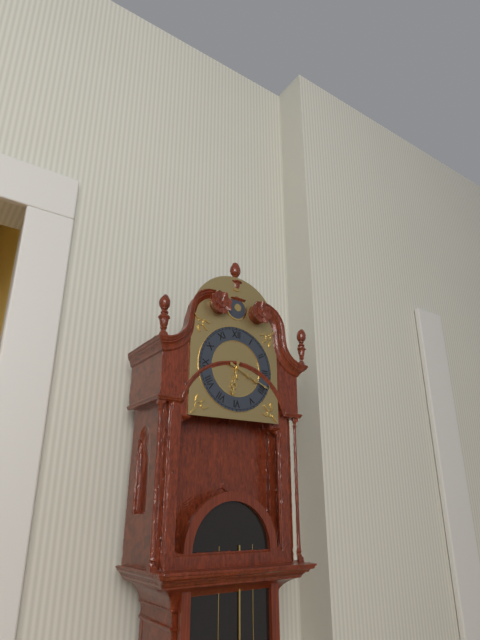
6h19
